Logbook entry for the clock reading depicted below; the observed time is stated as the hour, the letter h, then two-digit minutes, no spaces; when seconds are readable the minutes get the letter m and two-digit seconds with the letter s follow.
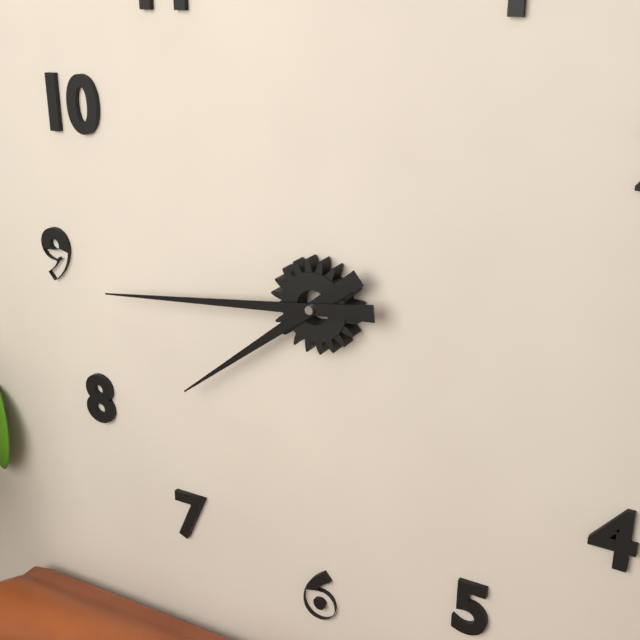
7h44
